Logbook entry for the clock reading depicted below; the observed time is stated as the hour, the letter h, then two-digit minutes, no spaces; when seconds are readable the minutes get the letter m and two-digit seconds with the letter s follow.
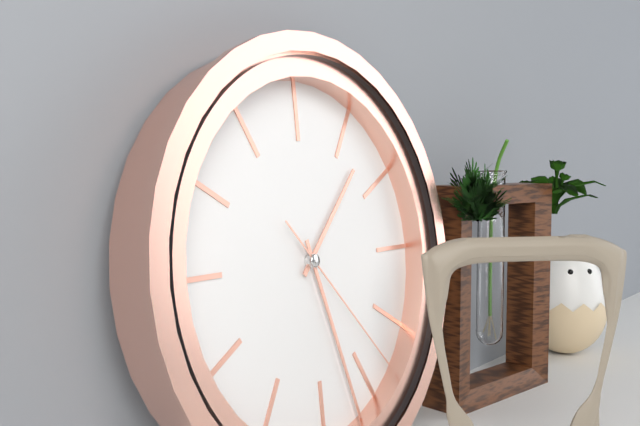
1h27m23s
